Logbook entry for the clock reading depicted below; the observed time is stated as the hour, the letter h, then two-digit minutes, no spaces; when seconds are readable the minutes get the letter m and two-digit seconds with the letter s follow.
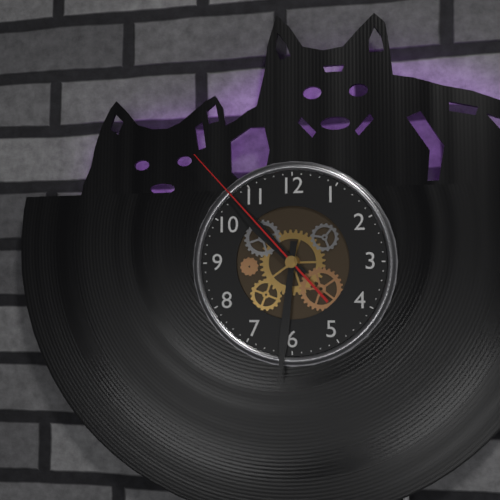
10h31m53s
